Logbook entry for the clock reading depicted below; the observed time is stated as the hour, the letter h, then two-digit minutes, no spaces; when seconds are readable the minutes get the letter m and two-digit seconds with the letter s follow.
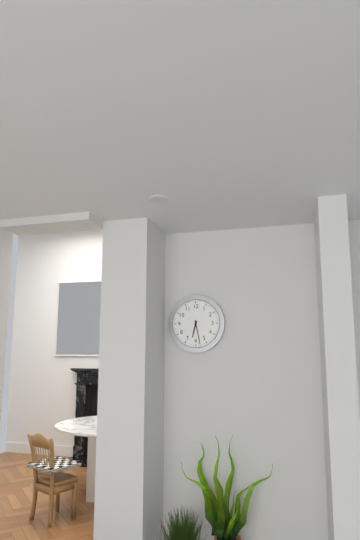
6h28
